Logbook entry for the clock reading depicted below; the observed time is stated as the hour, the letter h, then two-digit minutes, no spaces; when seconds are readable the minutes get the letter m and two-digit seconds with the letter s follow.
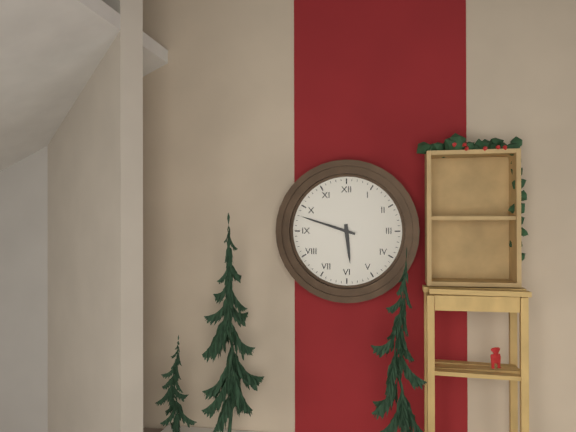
5h48
